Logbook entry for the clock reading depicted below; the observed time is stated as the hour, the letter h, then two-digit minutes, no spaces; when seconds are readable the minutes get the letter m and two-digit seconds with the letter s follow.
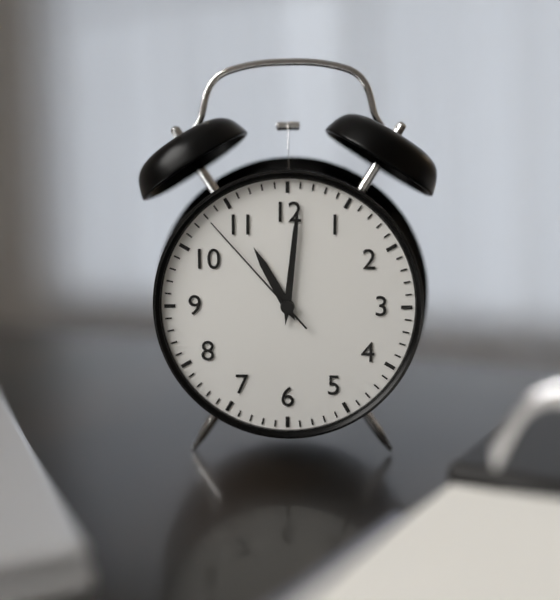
11h01m53s
